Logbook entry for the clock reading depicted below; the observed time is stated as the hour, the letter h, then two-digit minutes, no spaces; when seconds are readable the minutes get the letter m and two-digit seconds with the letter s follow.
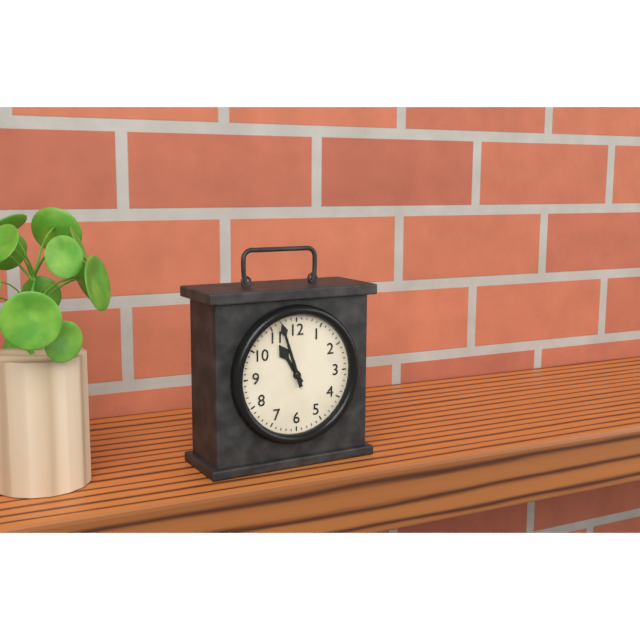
10h57
